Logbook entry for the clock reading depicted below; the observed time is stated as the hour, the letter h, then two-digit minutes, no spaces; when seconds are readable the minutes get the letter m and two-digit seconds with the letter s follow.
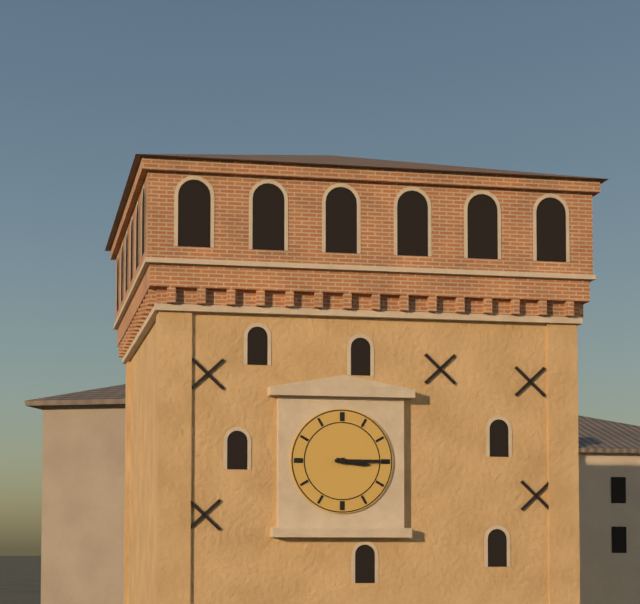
3h15
